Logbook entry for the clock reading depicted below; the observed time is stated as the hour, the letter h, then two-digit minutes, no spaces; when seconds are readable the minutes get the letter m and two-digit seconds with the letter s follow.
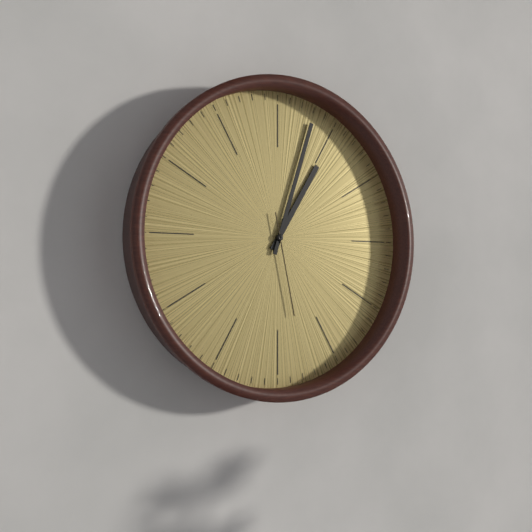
1h03m28s
